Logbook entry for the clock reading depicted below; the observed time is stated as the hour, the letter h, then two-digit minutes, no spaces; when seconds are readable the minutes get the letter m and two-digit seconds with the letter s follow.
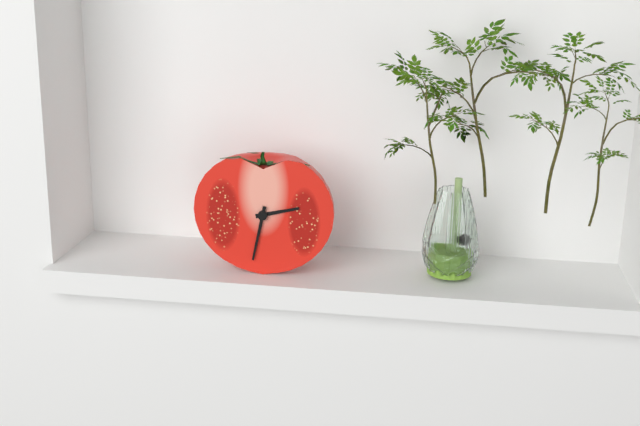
2h32
